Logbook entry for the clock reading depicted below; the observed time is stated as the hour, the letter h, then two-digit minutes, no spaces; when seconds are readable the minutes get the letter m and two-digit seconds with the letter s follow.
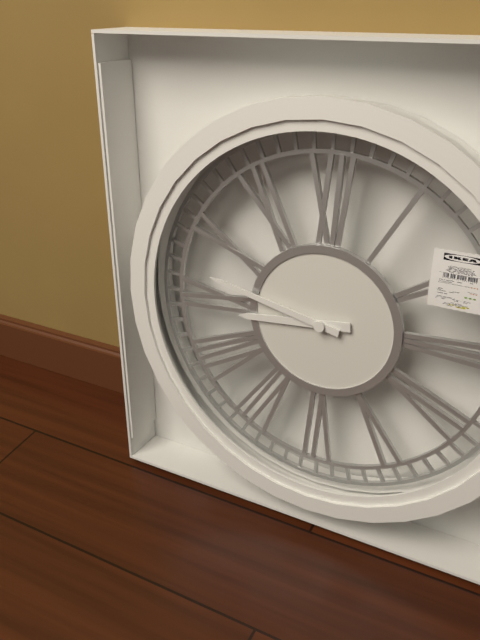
8h47
